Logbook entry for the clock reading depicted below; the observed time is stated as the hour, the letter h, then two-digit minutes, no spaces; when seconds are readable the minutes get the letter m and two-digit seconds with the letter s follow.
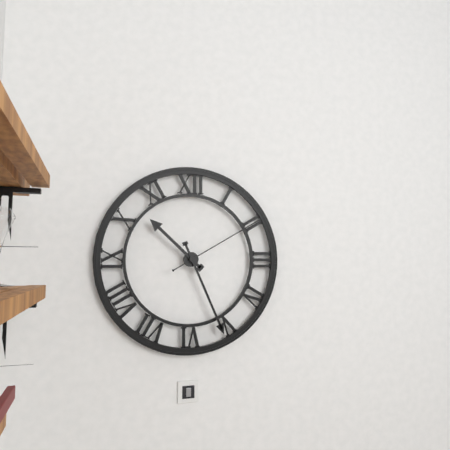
10h26m10s
